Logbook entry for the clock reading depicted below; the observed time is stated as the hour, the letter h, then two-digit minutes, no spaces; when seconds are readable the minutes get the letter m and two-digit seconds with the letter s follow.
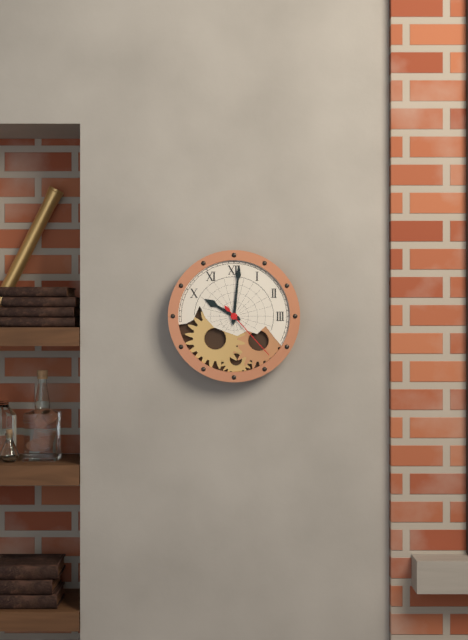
10h01m23s
